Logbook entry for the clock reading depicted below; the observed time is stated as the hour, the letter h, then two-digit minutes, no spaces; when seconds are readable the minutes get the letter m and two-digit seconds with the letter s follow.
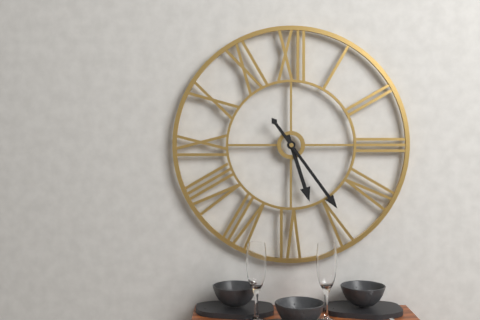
5h24
